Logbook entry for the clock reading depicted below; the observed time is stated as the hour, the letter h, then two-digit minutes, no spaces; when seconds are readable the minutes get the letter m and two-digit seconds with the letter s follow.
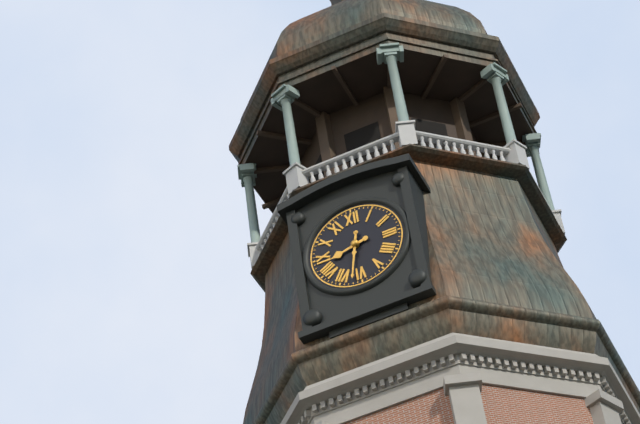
8h32
